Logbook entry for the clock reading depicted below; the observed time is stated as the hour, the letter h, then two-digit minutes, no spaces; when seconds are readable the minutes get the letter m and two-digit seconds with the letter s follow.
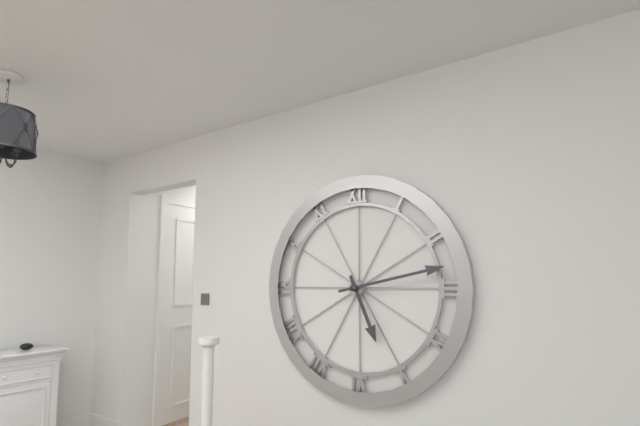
5h13
